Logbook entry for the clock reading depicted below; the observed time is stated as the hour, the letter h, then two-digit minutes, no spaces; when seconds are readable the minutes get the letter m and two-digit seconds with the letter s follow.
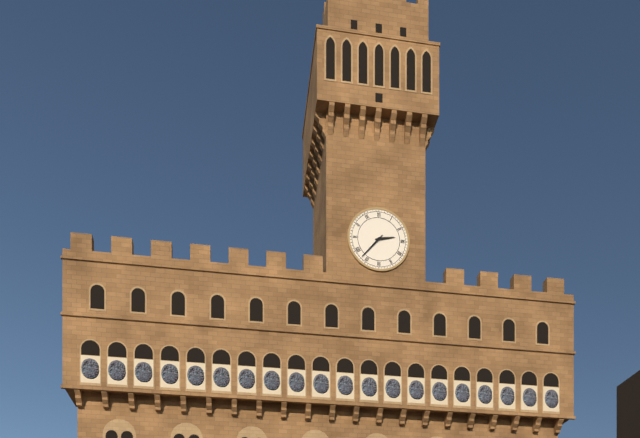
2h37
